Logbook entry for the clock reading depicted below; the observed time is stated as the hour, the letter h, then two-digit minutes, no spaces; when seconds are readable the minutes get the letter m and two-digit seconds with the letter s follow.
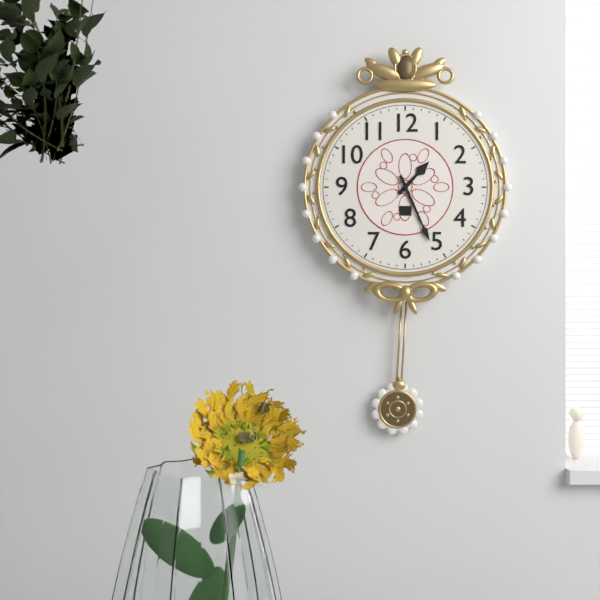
1h26
